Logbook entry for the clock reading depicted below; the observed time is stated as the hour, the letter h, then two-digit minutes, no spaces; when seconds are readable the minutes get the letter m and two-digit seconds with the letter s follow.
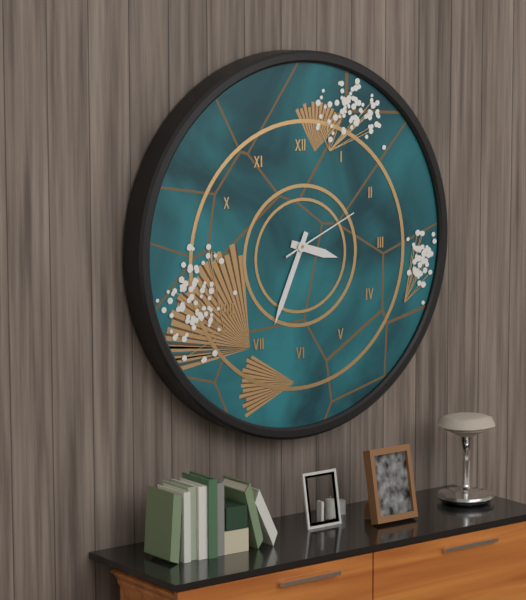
3h34m11s
